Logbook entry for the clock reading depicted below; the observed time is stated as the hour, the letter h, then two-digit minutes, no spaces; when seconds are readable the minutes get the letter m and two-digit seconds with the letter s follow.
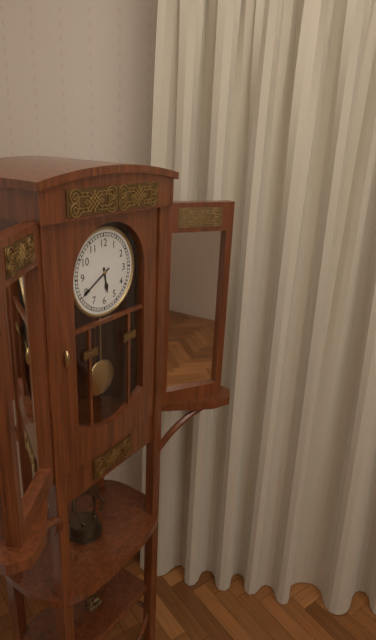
5h40
